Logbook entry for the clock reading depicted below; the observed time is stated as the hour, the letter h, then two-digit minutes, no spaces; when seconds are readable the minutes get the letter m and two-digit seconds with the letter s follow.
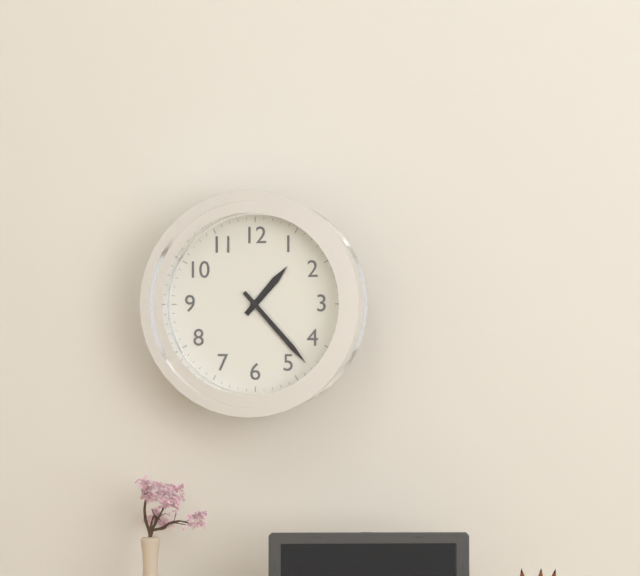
1h23
